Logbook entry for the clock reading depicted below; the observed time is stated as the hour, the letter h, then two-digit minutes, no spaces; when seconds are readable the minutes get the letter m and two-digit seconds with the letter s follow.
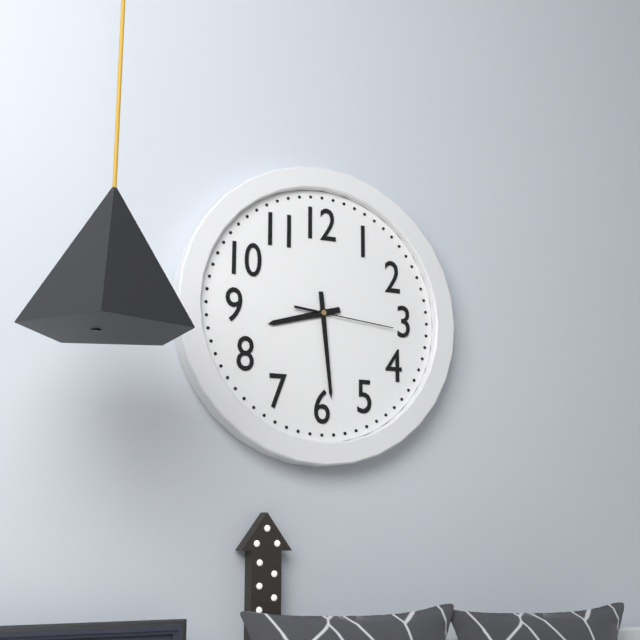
8h29m16s
